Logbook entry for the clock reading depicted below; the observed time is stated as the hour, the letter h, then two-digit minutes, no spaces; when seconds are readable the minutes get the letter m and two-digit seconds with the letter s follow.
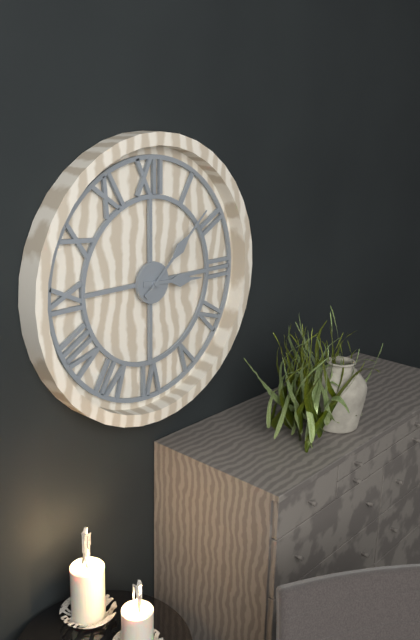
3h08
